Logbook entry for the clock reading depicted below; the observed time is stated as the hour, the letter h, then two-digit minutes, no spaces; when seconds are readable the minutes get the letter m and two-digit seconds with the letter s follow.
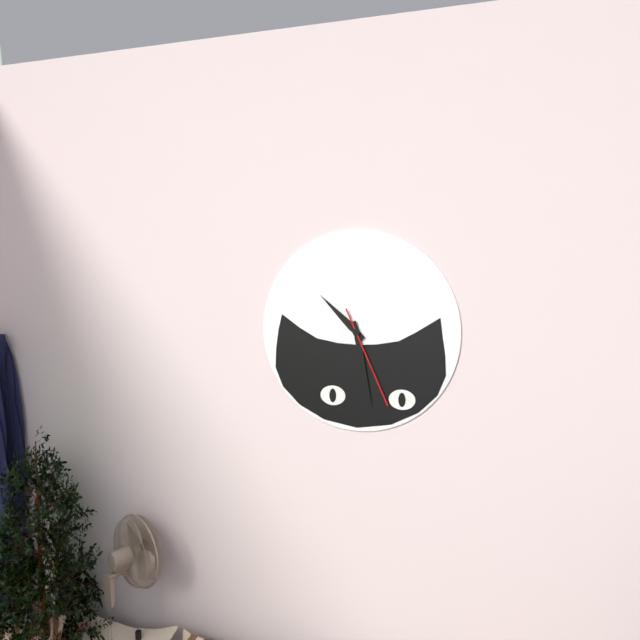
10h28m26s
